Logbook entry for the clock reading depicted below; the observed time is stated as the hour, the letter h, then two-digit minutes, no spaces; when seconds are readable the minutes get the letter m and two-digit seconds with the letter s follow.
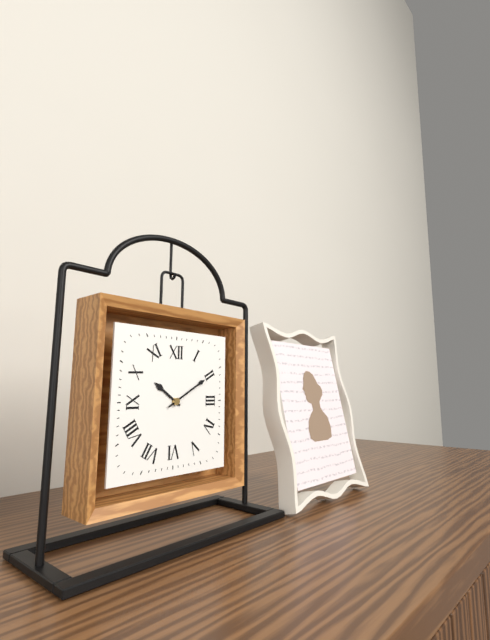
10h10
